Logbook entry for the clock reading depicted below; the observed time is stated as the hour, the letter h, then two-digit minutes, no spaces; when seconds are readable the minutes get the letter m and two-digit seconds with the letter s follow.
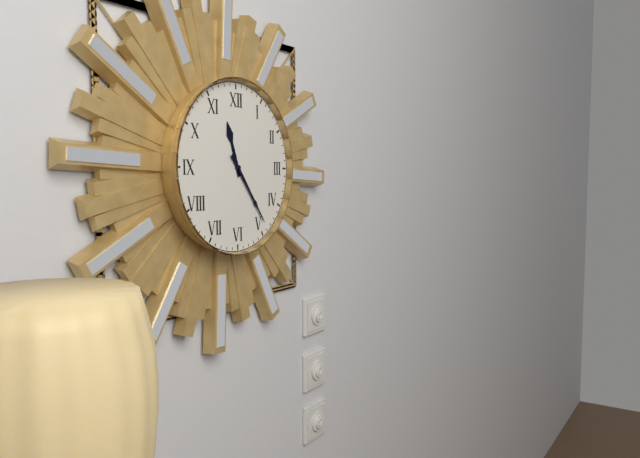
11h24
